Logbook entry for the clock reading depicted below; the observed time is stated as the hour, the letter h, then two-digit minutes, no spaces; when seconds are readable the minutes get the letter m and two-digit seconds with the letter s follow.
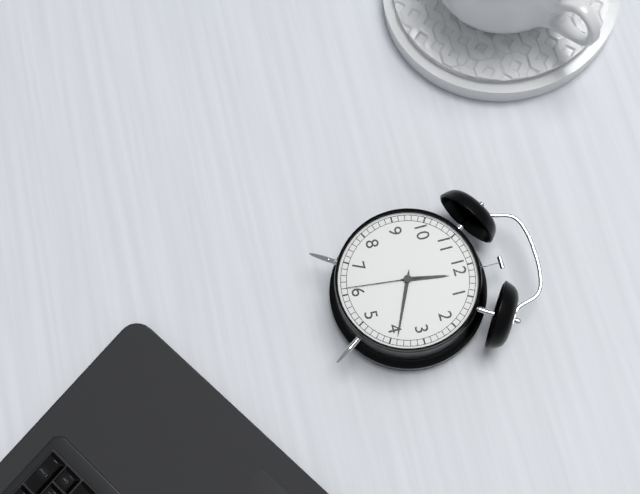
12h19m31s
